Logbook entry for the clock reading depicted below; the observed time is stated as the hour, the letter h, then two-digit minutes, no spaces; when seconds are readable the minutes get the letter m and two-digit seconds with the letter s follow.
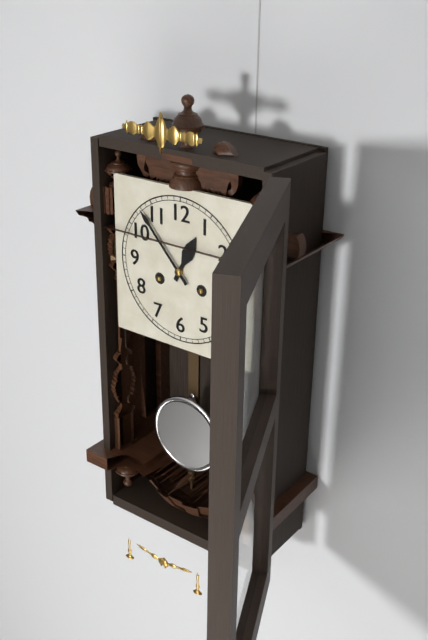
12h53
